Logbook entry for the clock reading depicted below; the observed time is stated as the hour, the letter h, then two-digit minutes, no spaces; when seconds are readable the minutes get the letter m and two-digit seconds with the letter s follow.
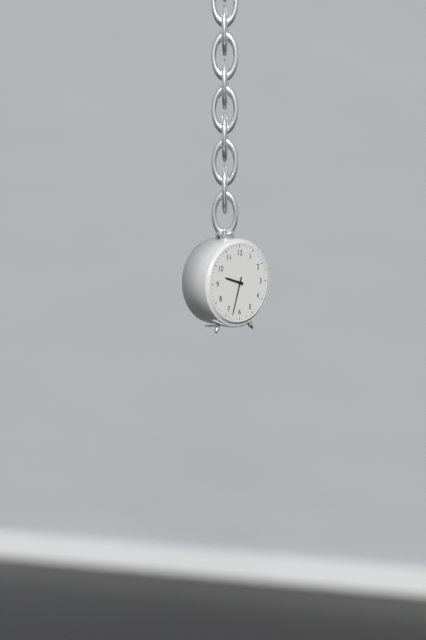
9h33
